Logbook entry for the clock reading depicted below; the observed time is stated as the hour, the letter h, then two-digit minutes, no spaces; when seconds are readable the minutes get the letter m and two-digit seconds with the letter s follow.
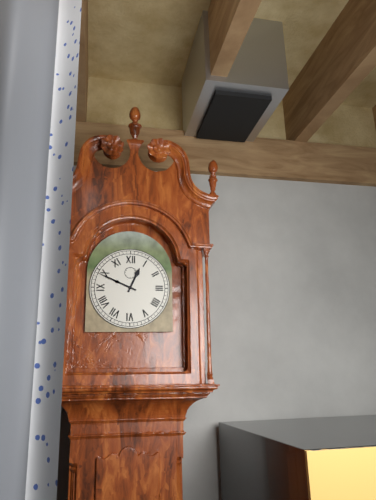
12h49
